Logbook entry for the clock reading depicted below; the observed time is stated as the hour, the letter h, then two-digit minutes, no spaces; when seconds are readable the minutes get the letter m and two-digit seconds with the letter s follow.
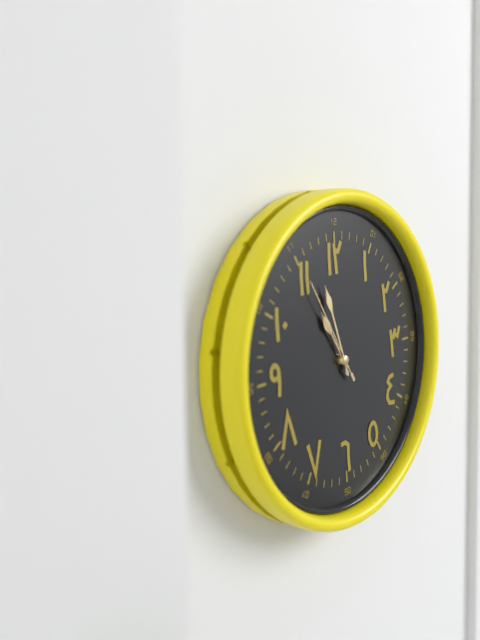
10h57m55s
